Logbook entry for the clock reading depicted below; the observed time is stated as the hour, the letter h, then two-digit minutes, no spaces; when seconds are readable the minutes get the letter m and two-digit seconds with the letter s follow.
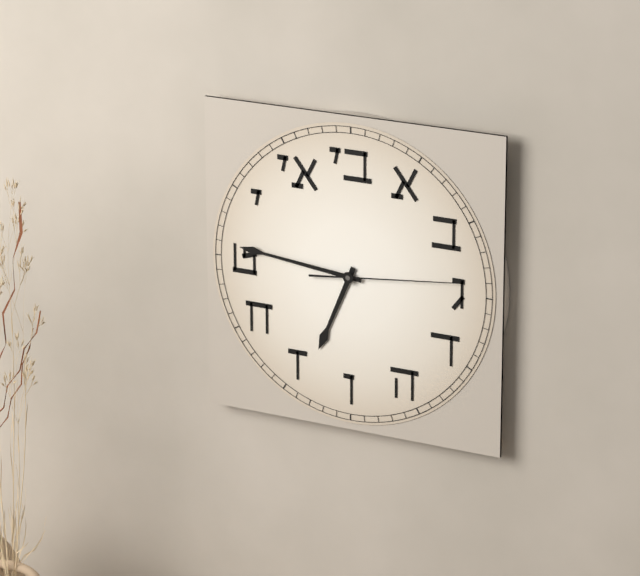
6h46m14s
